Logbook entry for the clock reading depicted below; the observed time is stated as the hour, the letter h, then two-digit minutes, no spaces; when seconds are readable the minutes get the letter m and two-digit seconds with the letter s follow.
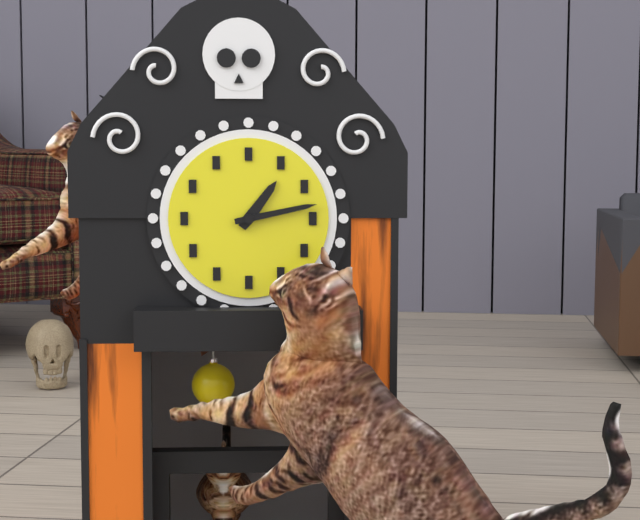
1h13
